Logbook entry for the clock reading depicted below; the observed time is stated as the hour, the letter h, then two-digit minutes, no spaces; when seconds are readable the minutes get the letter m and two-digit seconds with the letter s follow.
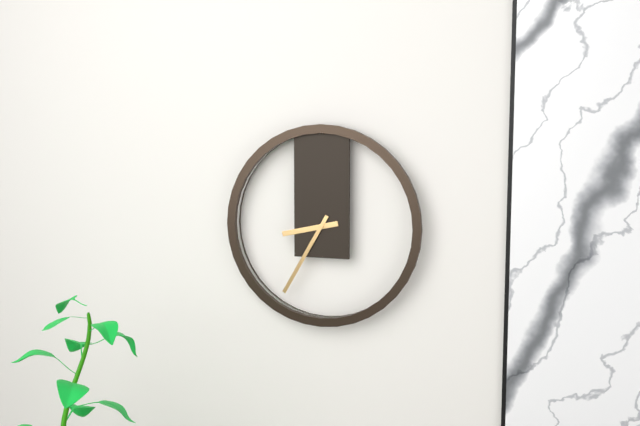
8h35
